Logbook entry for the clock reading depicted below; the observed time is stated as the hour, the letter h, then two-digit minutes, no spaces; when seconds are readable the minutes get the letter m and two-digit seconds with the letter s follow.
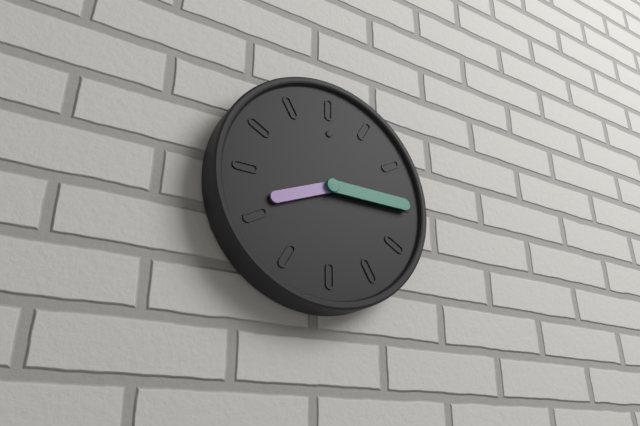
8h15
